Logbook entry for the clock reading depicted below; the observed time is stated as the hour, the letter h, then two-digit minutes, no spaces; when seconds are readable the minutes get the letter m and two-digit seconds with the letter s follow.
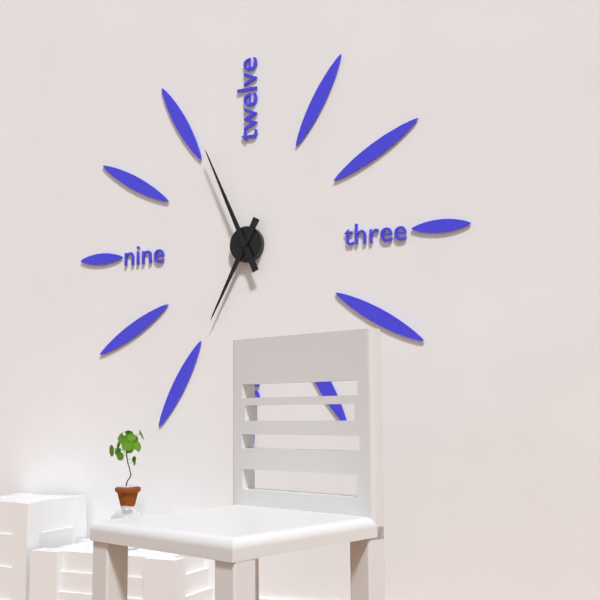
6h56
